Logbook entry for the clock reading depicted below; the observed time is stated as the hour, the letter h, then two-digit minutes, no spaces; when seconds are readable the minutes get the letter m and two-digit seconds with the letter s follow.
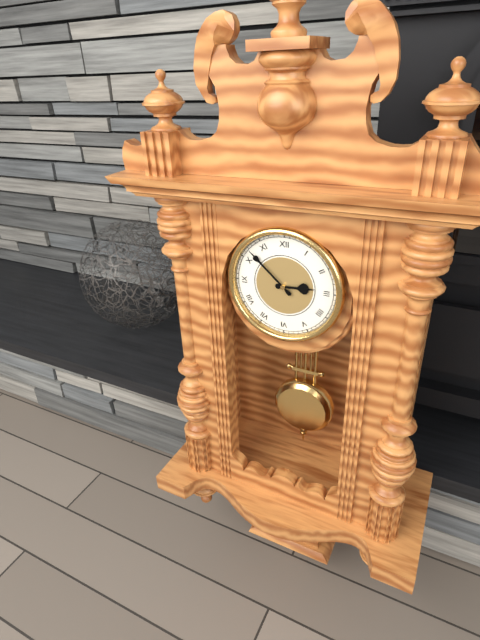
2h52
